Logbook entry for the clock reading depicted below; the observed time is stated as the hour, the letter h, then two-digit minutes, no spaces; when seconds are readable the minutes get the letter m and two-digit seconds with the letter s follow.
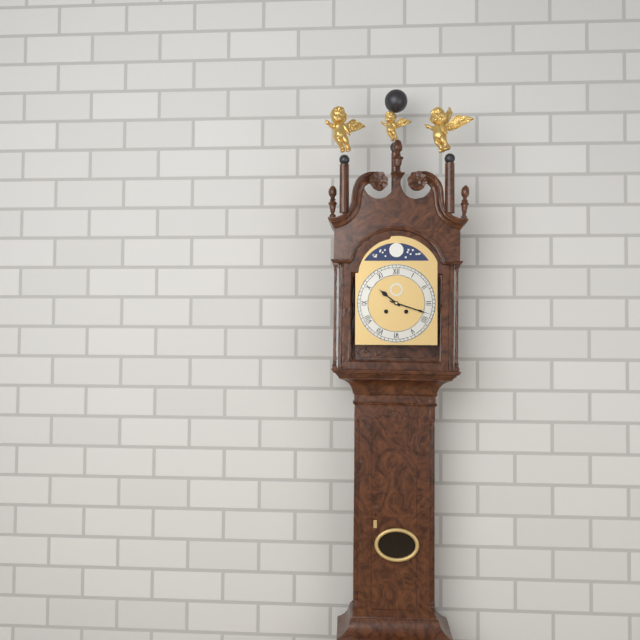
10h18
